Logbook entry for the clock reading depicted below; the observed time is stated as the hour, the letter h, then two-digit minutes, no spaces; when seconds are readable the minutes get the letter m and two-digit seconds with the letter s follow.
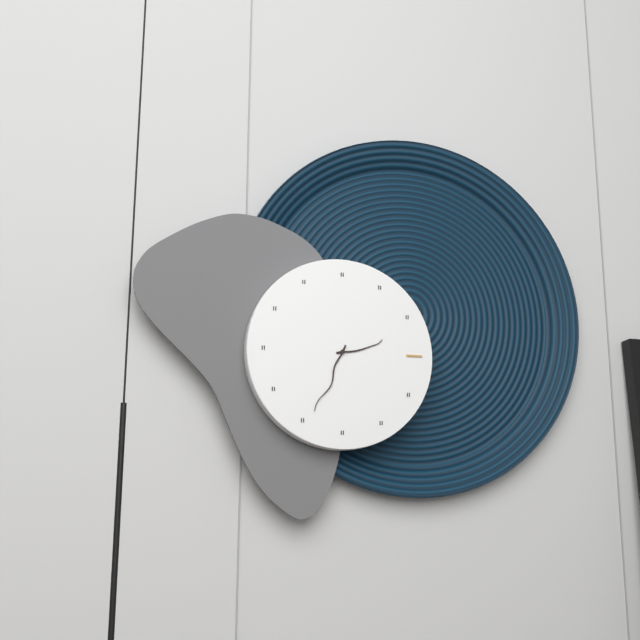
2h34
